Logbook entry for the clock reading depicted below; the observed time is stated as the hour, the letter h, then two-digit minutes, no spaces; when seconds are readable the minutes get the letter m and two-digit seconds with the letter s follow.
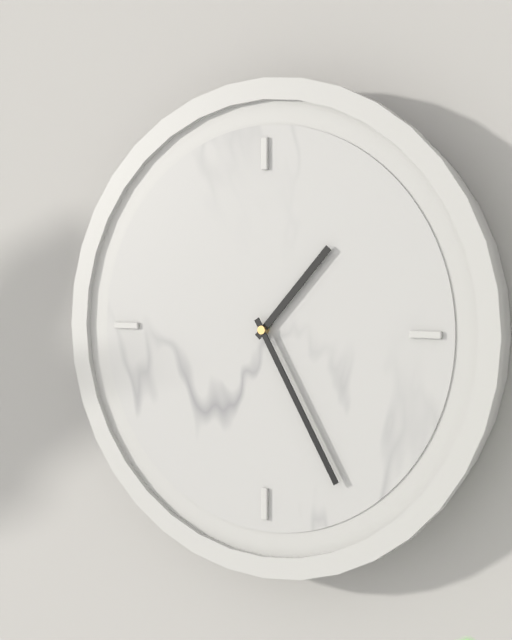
1h25
